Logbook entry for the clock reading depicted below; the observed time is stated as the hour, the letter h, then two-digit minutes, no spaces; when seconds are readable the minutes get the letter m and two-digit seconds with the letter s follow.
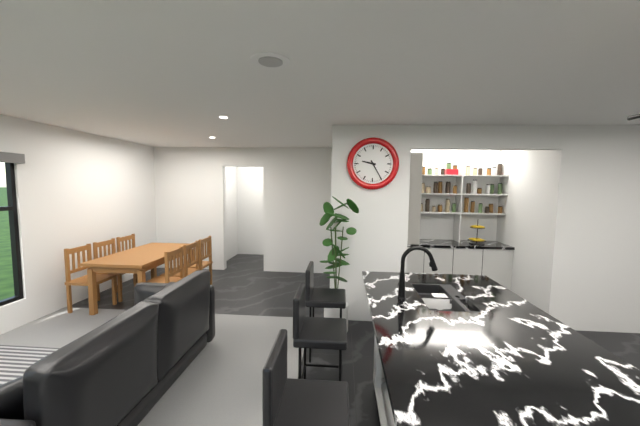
9h25
